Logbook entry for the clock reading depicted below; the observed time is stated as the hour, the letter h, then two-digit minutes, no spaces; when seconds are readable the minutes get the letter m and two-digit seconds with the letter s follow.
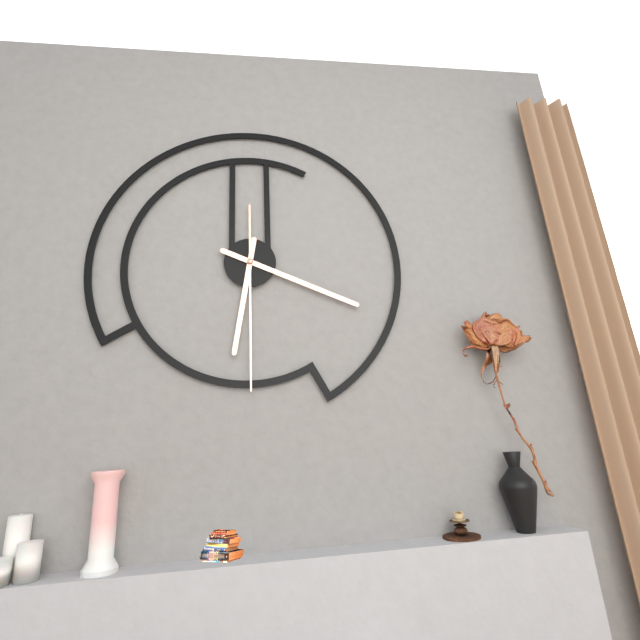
6h19m30s
